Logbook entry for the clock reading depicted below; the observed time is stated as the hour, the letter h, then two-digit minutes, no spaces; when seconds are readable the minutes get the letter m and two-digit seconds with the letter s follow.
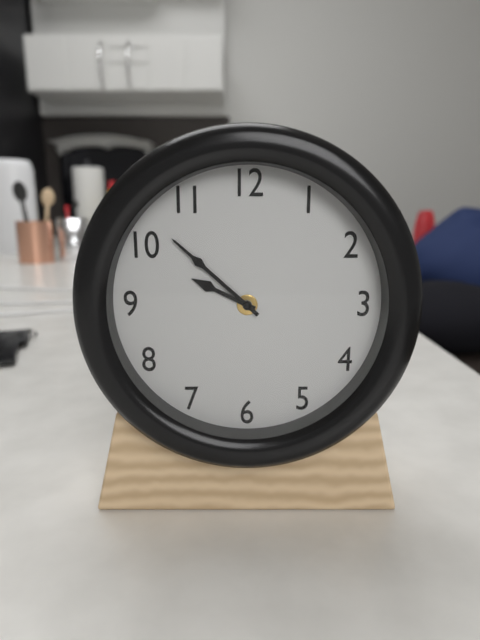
9h52
